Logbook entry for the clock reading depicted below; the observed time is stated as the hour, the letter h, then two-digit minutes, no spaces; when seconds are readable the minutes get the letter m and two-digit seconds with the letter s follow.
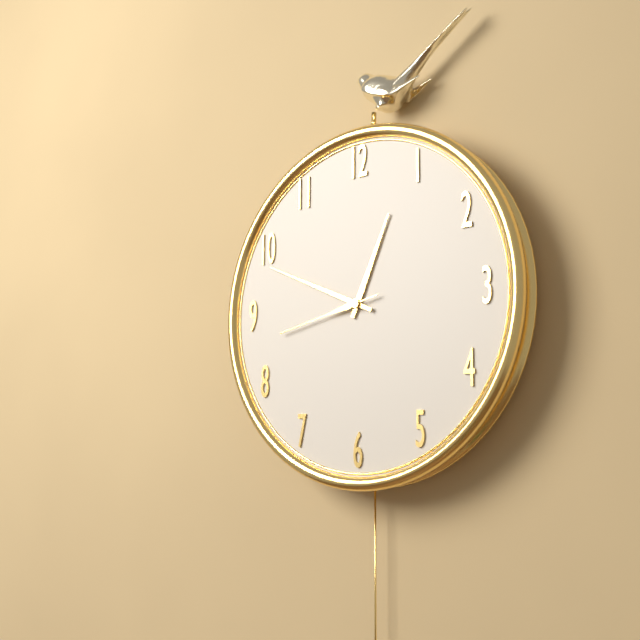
12h49m43s
